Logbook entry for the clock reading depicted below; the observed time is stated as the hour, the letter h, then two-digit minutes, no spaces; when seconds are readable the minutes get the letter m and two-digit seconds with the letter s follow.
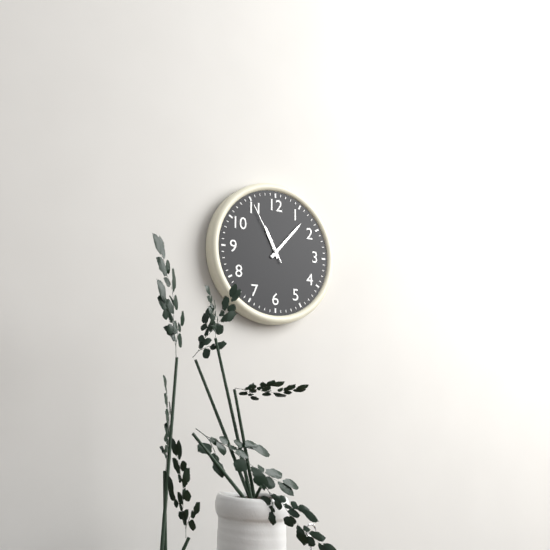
11h07m55s
